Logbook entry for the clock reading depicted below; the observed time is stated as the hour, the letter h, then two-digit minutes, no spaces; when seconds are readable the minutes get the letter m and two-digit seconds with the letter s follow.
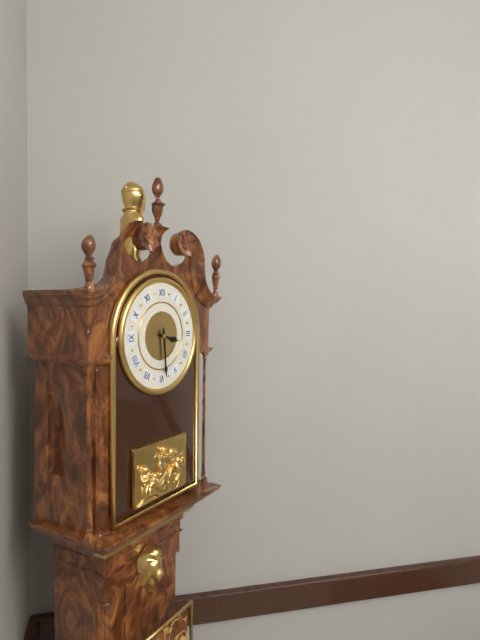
3h29
